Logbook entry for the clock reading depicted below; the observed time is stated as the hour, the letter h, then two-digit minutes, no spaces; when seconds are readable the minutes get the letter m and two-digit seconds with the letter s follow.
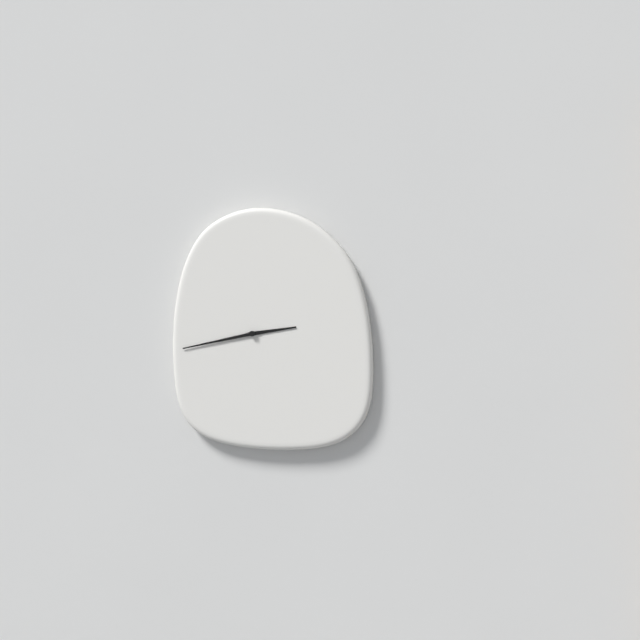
2h43
